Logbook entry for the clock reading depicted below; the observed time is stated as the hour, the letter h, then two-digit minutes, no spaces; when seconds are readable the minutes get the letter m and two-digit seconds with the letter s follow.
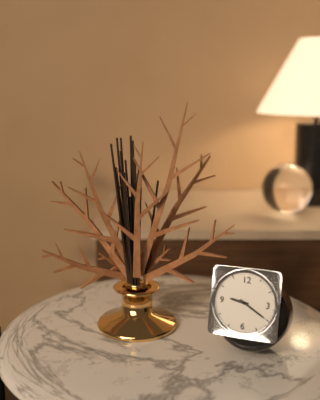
9h20
